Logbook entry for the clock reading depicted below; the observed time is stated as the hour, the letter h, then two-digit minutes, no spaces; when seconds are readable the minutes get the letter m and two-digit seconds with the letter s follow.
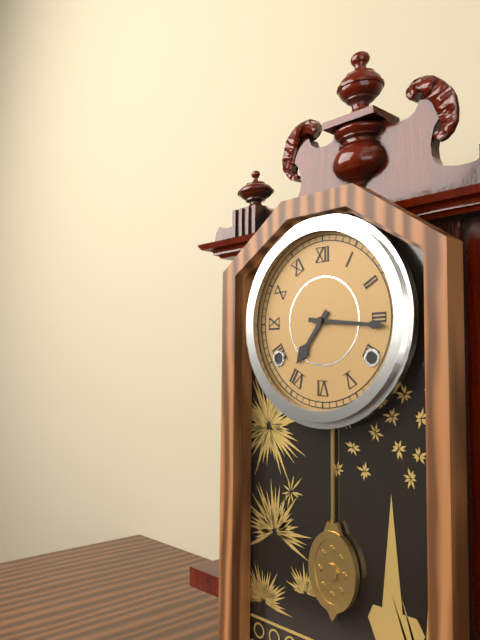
7h16
